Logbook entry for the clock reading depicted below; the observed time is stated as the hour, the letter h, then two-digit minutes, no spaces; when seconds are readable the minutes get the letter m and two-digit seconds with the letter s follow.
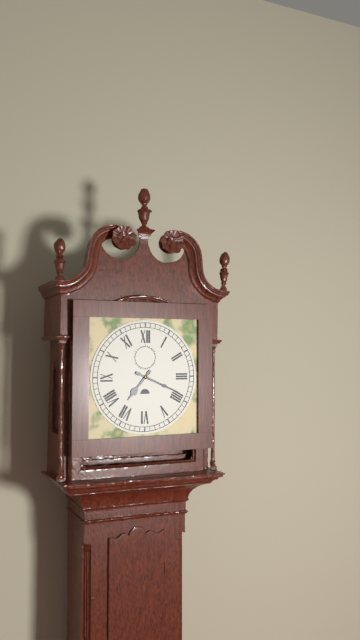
7h19
